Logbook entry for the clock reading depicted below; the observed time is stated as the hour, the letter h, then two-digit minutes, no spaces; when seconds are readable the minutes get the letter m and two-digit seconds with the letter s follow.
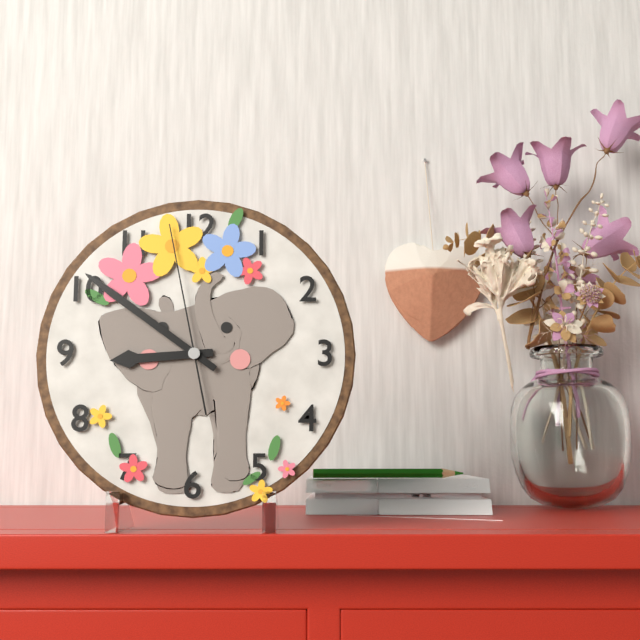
8h51m58s
